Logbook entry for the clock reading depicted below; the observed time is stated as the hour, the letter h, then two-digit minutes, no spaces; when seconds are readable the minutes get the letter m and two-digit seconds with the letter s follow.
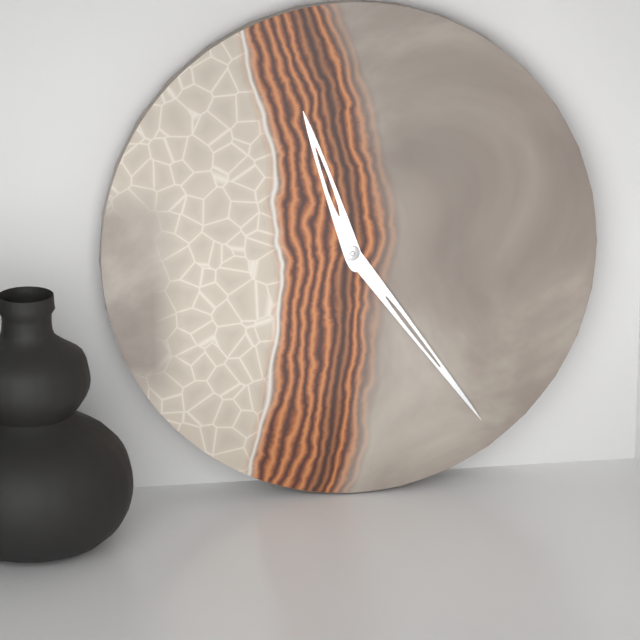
11h24
